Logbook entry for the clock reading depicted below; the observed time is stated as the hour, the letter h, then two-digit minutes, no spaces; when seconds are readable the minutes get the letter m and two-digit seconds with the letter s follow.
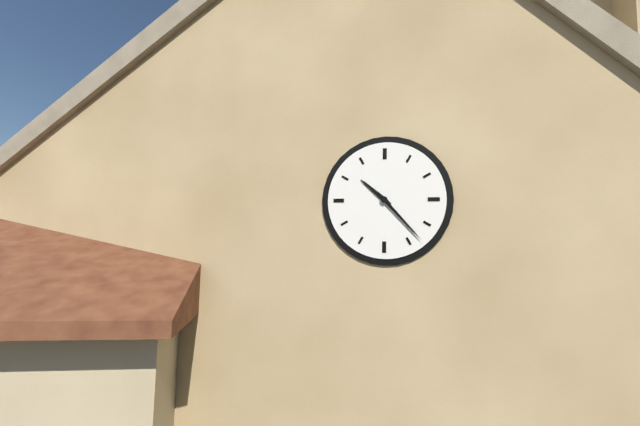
10h23
